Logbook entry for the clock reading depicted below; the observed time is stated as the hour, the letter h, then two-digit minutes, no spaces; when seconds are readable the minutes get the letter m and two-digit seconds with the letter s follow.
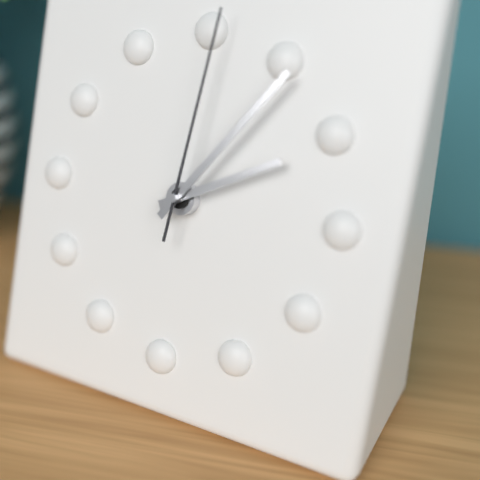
2h06m01s
